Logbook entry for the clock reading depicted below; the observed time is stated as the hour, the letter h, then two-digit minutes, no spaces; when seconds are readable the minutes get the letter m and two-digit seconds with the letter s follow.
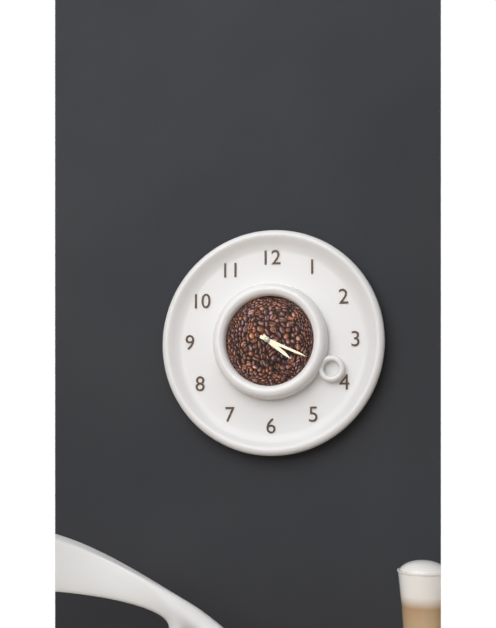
4h19
